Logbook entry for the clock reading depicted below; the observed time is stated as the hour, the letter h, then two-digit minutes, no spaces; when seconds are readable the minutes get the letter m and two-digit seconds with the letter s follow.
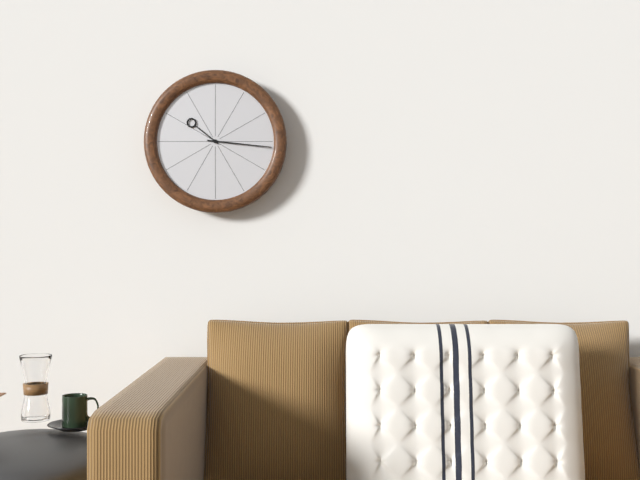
10h16
